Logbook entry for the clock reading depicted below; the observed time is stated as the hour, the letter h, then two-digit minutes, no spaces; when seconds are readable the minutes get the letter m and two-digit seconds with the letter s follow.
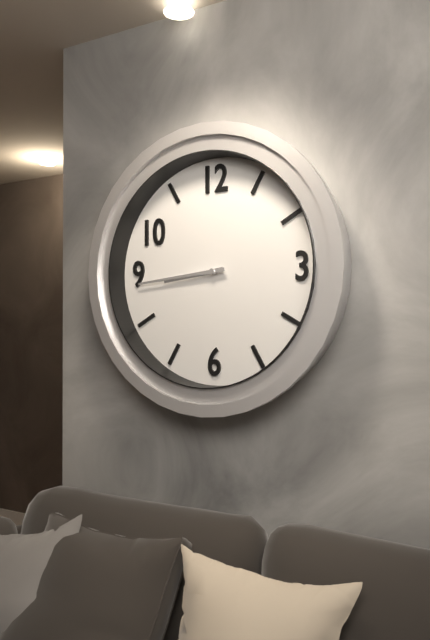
8h44
